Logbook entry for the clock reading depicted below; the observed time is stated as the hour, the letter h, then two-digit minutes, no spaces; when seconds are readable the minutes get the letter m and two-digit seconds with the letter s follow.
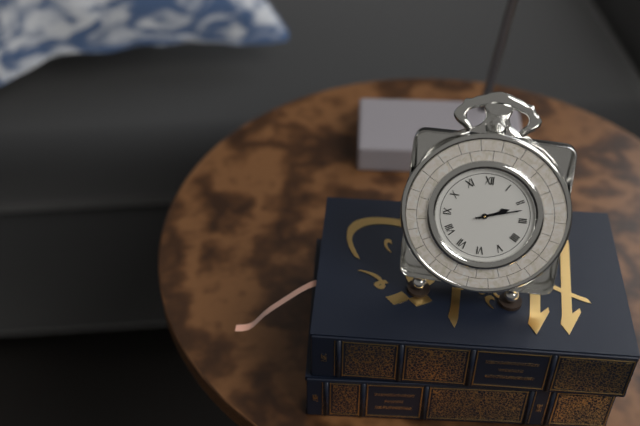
2h12
